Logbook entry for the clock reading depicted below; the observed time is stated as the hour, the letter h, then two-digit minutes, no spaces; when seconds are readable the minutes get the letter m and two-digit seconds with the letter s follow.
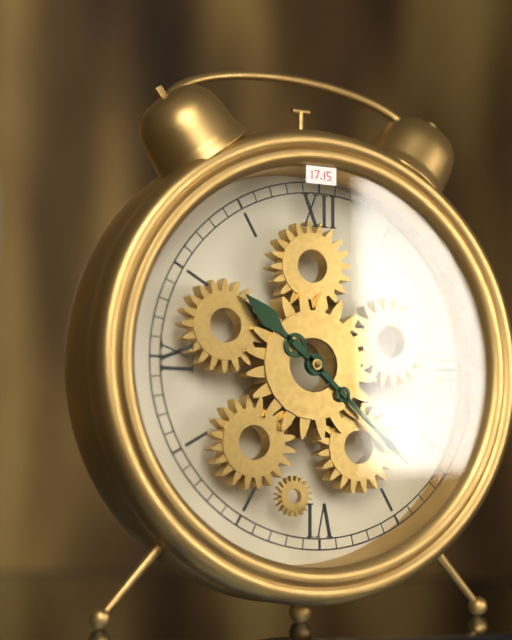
10h22
